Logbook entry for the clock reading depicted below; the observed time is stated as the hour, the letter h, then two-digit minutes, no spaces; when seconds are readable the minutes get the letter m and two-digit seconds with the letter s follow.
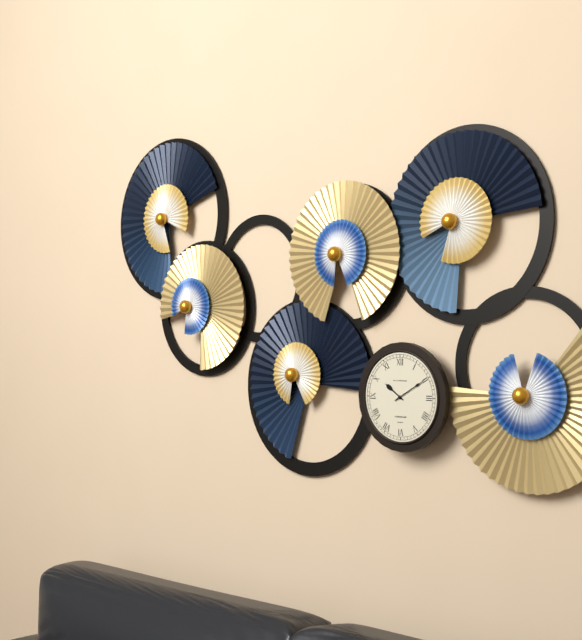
10h10
